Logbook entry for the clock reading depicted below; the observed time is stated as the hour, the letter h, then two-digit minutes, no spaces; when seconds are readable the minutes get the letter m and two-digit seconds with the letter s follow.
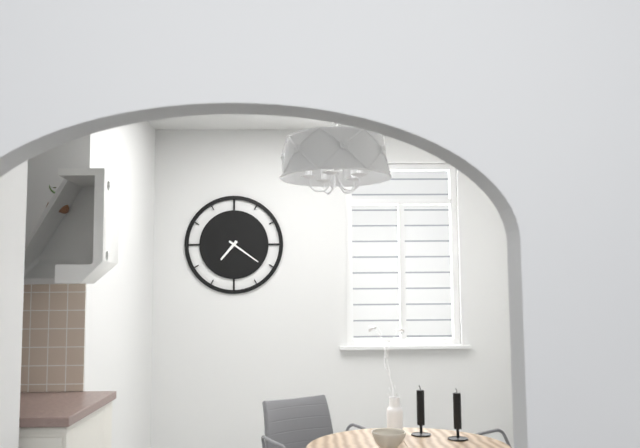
7h21
